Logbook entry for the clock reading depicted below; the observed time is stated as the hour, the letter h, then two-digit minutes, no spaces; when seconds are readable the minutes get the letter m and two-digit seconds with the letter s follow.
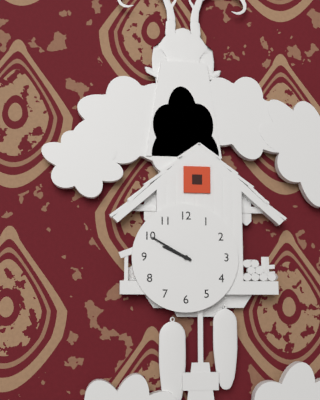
9h50
